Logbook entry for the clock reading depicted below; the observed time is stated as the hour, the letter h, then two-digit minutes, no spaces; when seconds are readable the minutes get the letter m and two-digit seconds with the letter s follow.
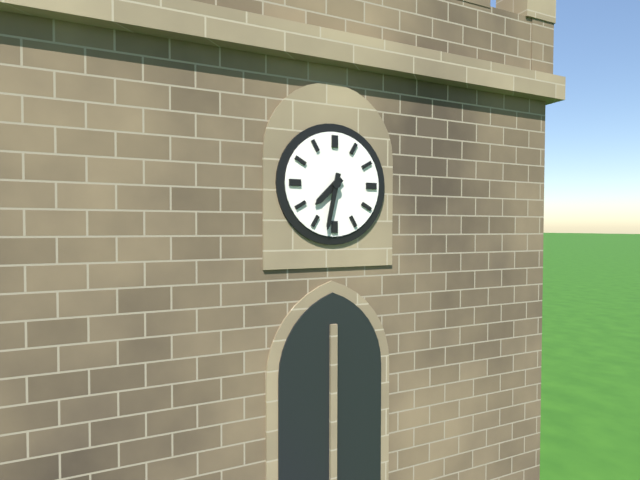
7h32
